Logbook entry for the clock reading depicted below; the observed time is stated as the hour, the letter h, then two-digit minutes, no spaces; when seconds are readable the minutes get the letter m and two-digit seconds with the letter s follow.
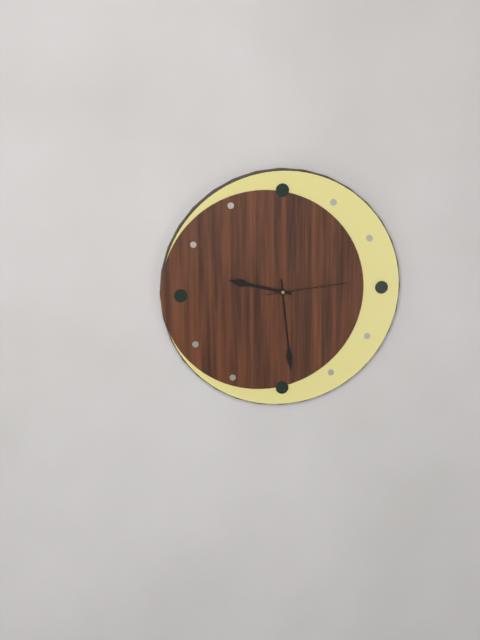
9h29m14s
